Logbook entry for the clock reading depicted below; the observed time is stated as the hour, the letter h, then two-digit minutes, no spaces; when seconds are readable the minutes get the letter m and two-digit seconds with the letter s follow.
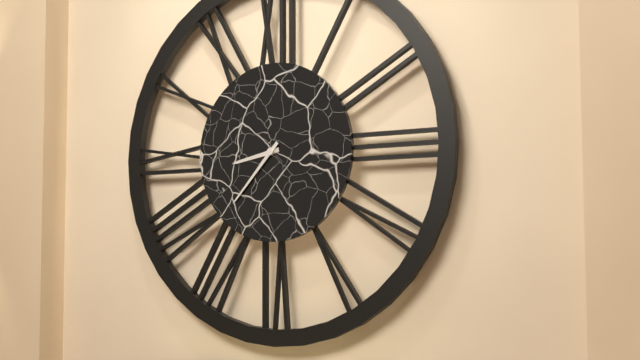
8h37
